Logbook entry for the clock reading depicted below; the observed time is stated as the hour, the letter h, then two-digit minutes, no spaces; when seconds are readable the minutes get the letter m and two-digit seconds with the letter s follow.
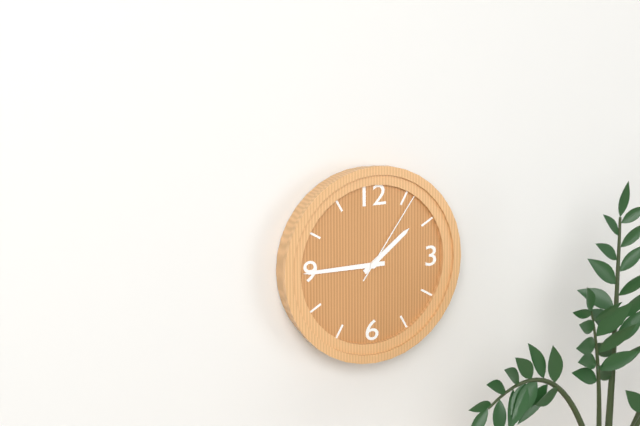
1h45m06s
